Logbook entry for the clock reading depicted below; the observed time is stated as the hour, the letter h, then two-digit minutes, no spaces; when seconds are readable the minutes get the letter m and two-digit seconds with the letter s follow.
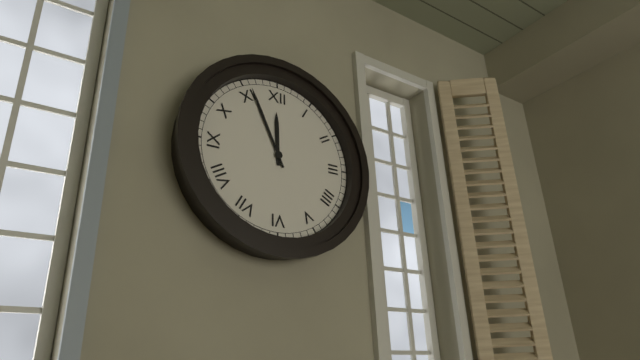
11h56
